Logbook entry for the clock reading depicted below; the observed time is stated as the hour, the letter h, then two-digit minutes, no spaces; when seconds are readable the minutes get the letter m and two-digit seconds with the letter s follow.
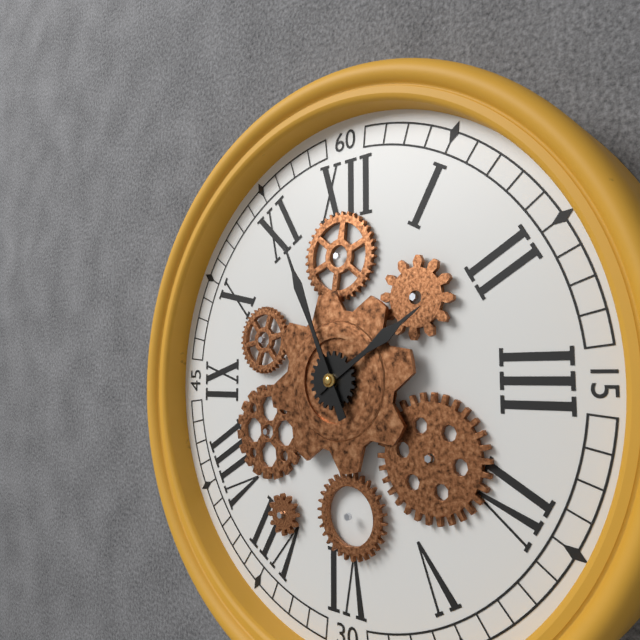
1h56
